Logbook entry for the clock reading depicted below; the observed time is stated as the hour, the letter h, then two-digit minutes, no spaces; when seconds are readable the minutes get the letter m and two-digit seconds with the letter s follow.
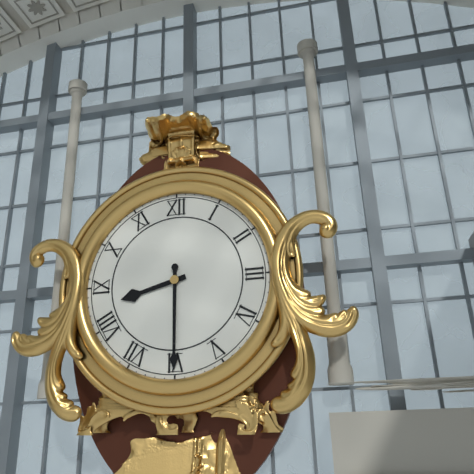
8h30
